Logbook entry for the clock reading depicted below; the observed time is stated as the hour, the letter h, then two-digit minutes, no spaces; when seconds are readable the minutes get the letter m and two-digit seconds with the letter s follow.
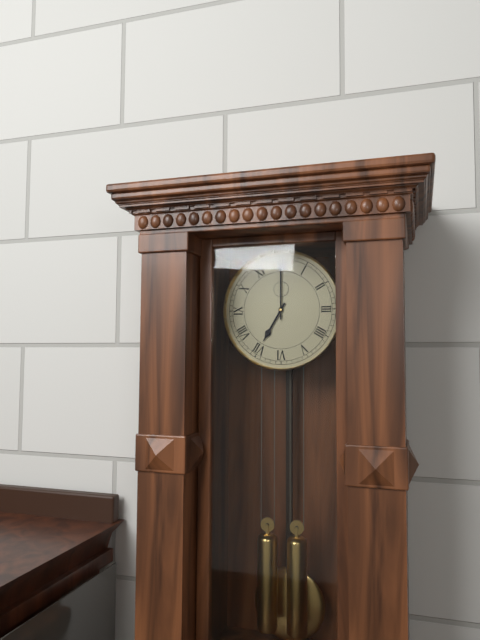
7h00
